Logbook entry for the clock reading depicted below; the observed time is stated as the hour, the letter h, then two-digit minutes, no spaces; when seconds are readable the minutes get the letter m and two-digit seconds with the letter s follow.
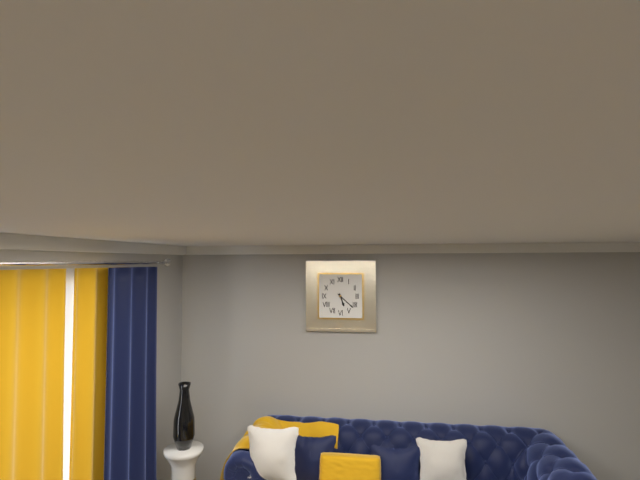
5h22
